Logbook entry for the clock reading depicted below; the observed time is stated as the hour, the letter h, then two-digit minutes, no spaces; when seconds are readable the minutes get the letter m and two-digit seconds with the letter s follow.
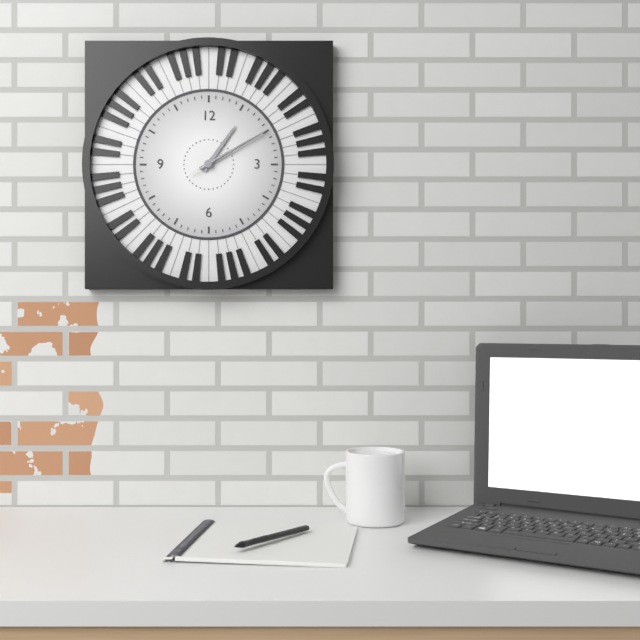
1h10m10s
